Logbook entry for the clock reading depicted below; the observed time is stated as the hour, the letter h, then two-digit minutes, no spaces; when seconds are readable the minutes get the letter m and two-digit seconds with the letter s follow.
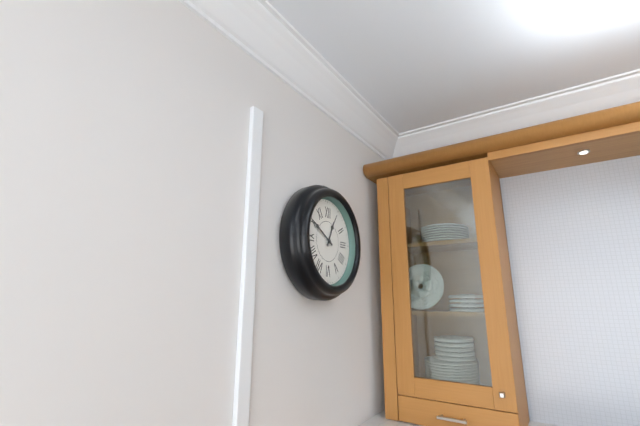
12h50
